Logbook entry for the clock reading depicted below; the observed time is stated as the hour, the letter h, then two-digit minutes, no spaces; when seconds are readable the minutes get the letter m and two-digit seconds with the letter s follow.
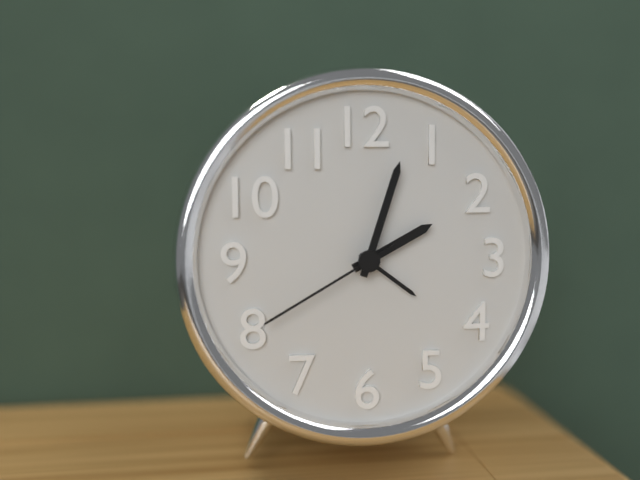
2h03m40s
